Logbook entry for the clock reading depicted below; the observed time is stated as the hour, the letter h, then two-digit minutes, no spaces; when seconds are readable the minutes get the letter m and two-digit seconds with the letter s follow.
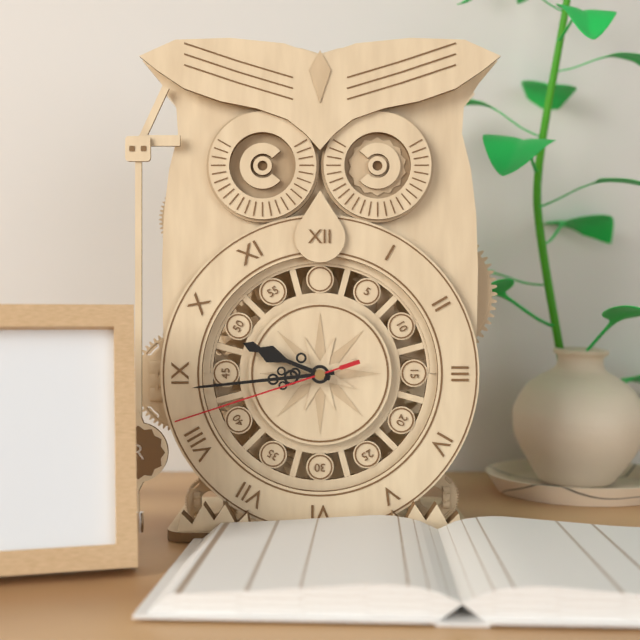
9h44m42s
